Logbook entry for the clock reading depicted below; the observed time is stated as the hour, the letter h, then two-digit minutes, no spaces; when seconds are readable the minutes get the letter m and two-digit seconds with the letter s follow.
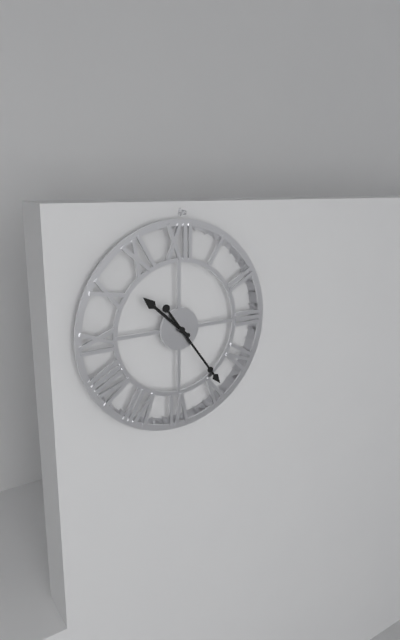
10h24
